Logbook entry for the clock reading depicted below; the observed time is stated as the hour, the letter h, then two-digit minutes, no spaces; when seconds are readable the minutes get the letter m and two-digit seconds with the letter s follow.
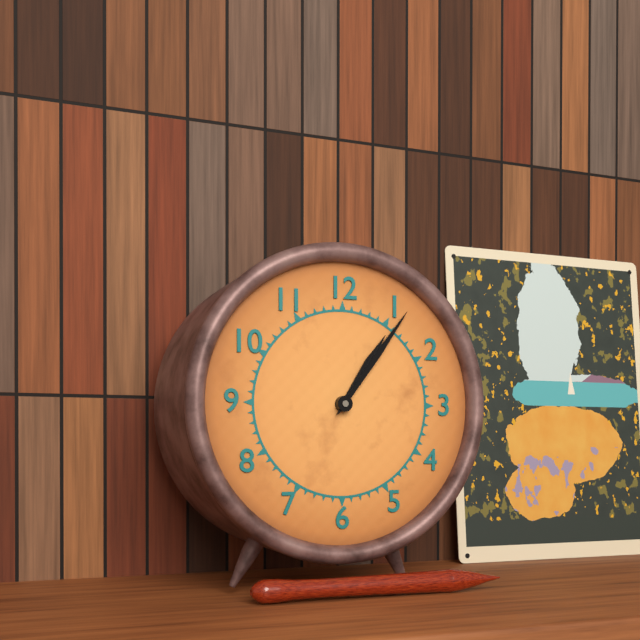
1h06
